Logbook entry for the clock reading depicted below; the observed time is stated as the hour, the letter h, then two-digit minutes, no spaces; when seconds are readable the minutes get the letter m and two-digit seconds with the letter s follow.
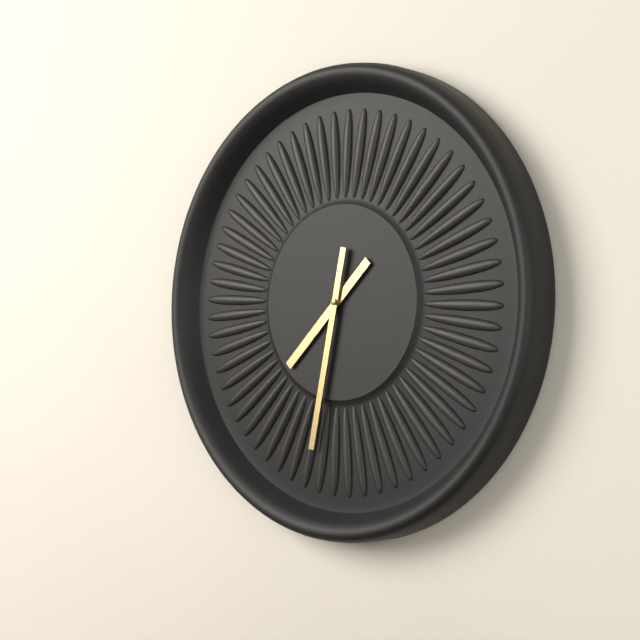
7h32
